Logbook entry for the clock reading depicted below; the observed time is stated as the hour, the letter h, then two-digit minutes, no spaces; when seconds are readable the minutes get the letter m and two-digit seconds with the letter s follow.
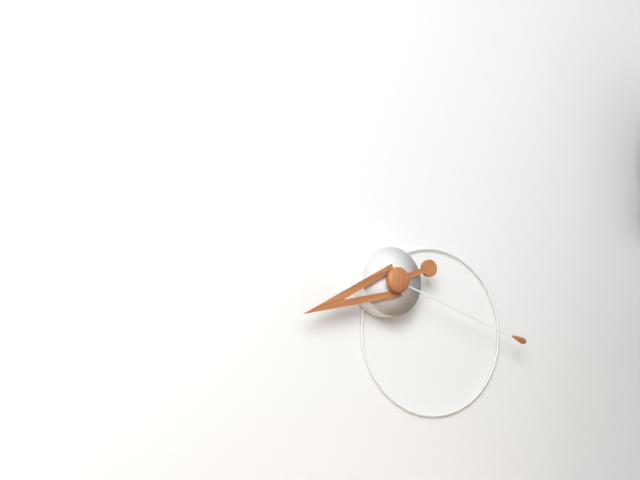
8h18
